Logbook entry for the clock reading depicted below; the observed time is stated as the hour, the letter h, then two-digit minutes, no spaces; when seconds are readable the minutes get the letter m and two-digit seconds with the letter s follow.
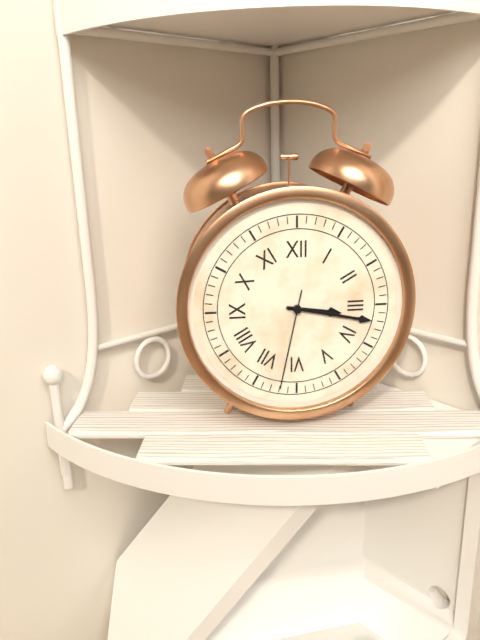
3h17m32s
